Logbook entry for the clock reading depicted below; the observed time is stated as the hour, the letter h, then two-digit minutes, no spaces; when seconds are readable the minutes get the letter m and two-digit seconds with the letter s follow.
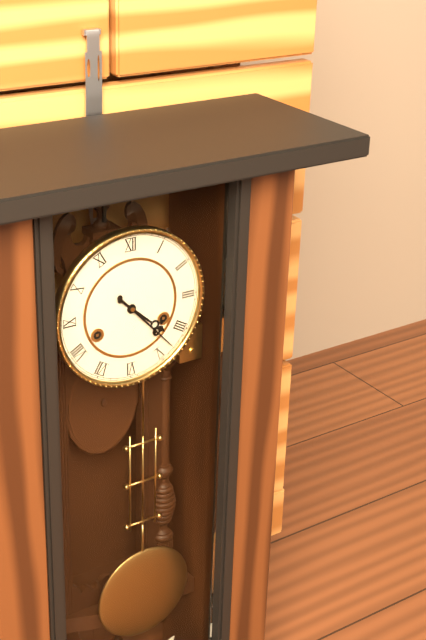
4h23
